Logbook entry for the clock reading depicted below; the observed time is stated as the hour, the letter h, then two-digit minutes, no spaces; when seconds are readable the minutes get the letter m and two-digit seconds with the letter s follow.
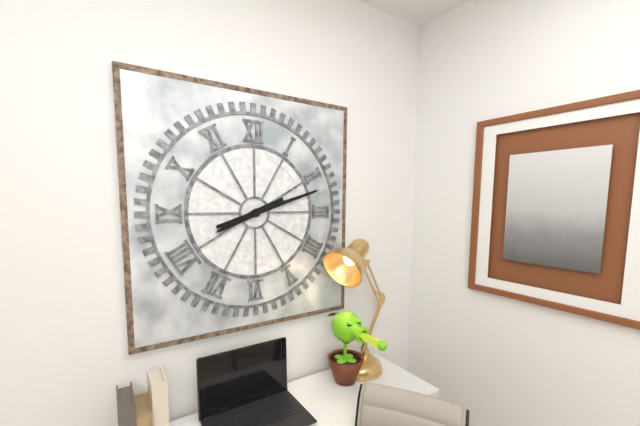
8h12
